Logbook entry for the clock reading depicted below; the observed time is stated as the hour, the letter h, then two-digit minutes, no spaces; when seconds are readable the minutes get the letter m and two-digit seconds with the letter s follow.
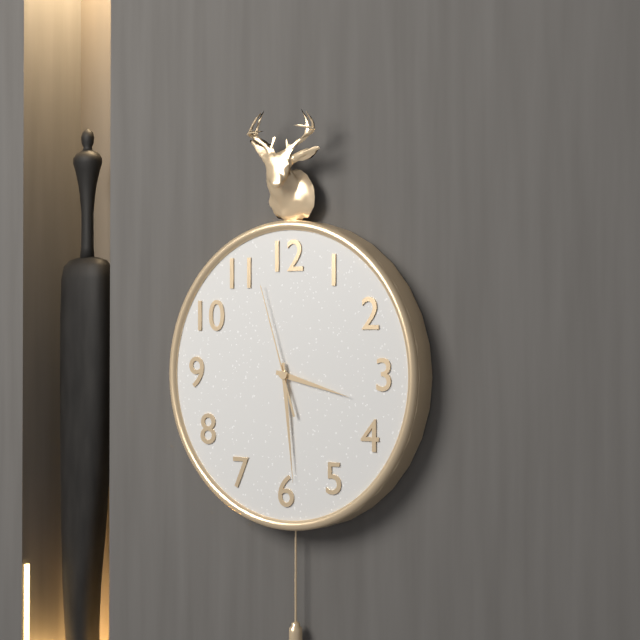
3h29m57s
